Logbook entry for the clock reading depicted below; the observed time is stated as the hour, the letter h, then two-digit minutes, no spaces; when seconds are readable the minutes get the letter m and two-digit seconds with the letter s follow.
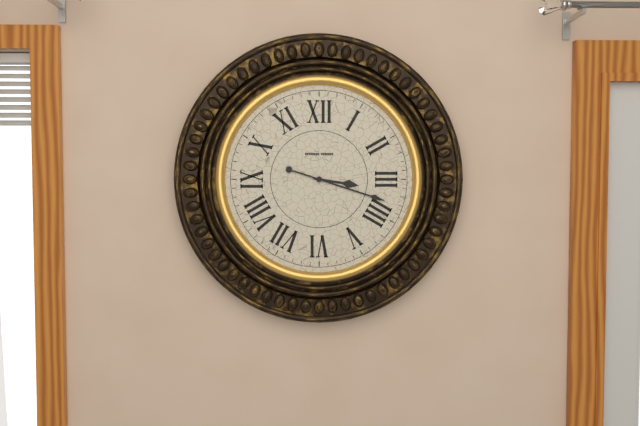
3h18
